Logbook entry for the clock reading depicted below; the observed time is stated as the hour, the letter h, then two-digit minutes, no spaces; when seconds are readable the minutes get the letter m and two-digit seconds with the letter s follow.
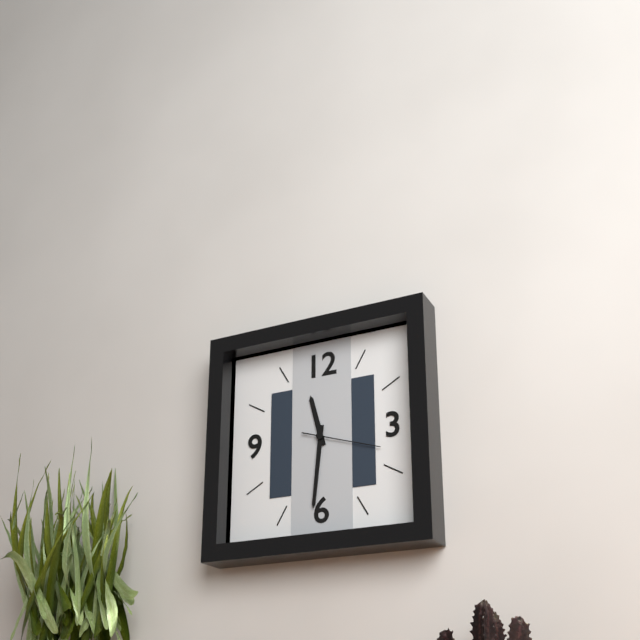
11h31m18s
